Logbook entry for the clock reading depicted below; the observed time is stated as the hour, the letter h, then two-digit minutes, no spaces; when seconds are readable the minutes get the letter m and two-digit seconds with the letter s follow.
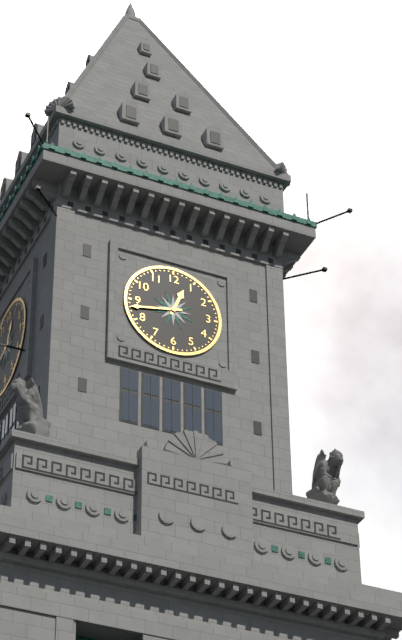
12h43
